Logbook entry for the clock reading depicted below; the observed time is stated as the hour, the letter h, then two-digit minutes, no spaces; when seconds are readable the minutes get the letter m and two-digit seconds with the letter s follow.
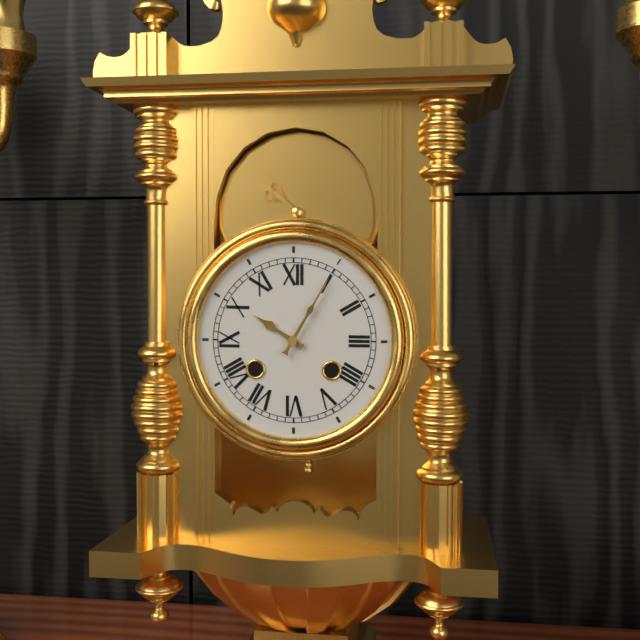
10h05
